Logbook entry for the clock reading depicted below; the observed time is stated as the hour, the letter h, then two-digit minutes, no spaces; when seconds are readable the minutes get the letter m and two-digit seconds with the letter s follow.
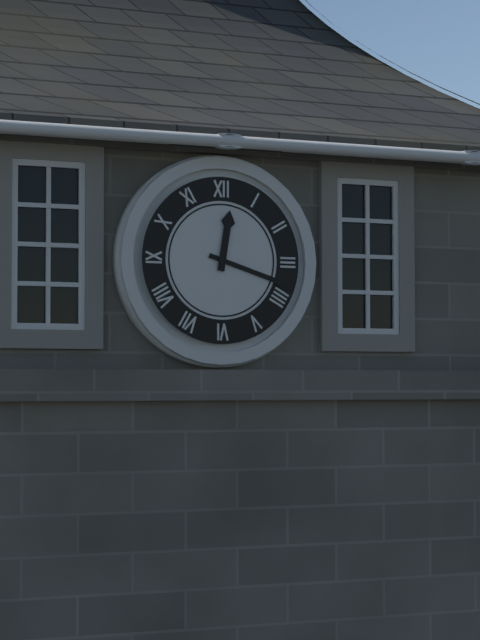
12h18
